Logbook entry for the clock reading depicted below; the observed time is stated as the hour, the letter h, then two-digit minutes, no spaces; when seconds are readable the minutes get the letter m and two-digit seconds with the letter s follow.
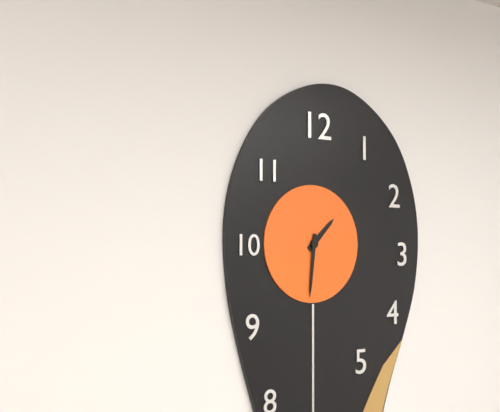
1h31
